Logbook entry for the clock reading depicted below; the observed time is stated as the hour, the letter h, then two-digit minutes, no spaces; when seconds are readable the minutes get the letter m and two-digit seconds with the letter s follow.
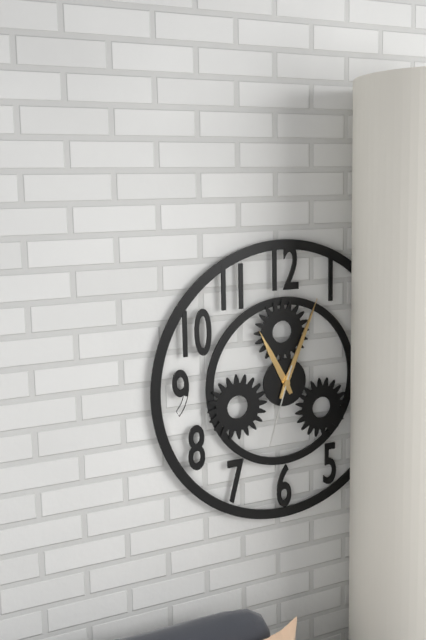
11h04m33s
